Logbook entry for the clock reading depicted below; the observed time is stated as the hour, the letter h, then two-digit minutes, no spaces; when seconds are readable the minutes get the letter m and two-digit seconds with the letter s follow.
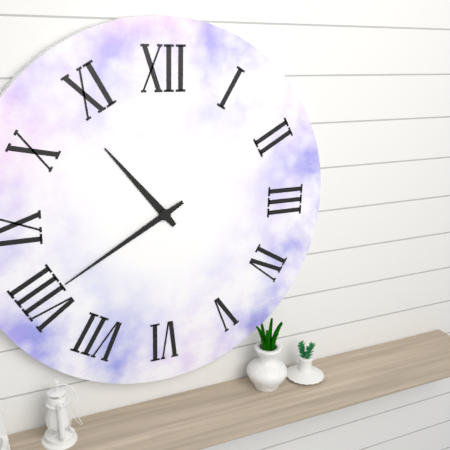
10h40
